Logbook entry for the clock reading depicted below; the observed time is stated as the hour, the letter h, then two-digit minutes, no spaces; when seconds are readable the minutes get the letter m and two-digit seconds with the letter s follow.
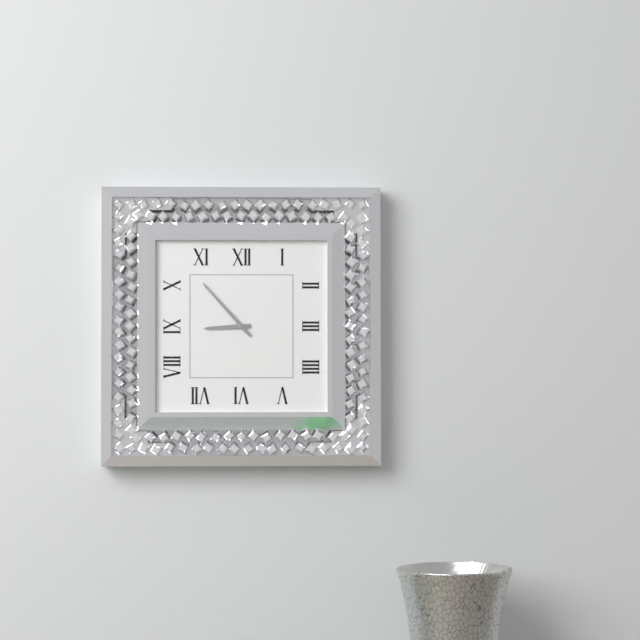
8h53
